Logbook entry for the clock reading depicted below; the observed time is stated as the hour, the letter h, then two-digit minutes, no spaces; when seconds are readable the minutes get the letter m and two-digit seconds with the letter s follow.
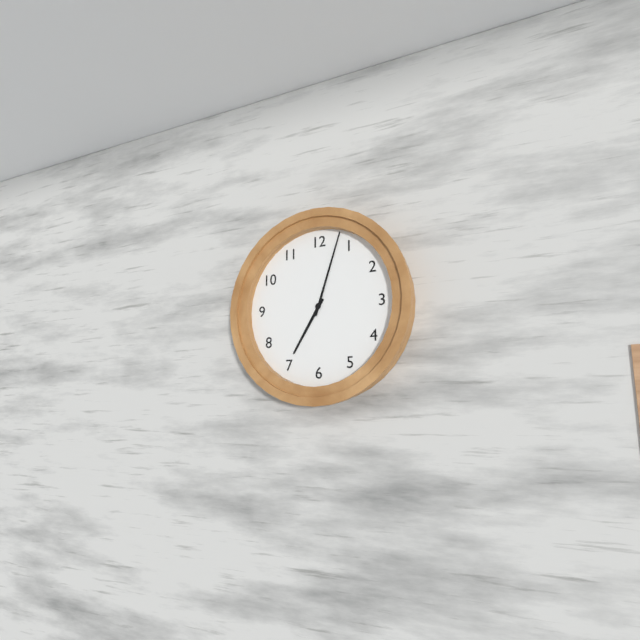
7h03
